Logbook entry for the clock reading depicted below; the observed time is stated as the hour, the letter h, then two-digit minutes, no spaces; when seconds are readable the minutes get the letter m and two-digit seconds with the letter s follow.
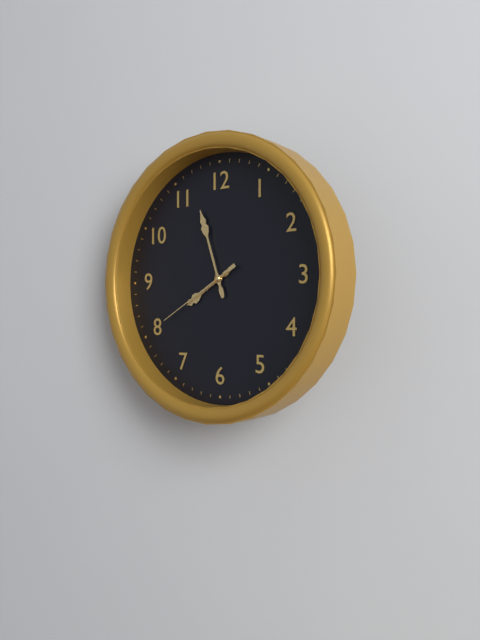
7h57m40s
